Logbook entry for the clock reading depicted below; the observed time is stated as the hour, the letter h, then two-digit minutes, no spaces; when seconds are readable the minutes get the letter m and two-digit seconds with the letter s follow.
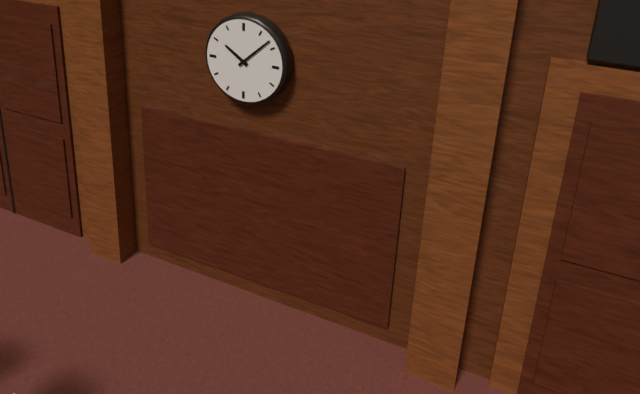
10h08
